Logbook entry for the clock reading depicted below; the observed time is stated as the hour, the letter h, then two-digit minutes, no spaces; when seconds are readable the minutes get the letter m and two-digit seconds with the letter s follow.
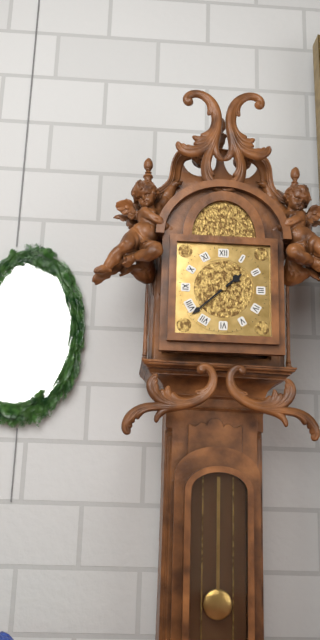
1h38
